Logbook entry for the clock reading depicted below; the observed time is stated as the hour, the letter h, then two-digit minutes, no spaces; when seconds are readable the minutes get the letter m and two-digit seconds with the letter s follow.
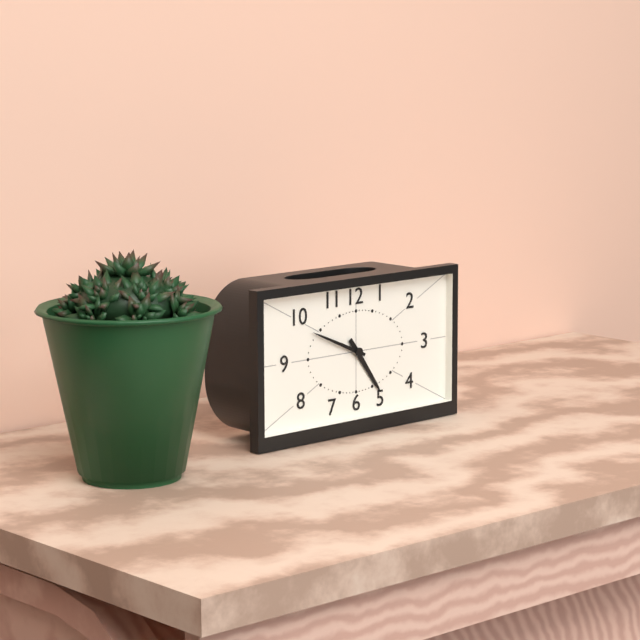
4h49
